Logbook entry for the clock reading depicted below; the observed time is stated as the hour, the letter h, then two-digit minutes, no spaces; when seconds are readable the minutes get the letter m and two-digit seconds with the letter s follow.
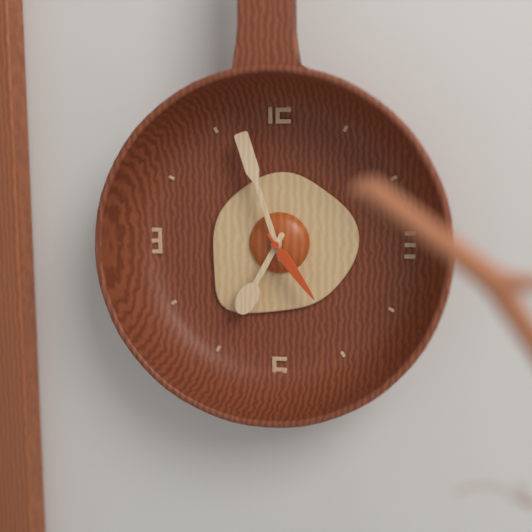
6h57m24s
